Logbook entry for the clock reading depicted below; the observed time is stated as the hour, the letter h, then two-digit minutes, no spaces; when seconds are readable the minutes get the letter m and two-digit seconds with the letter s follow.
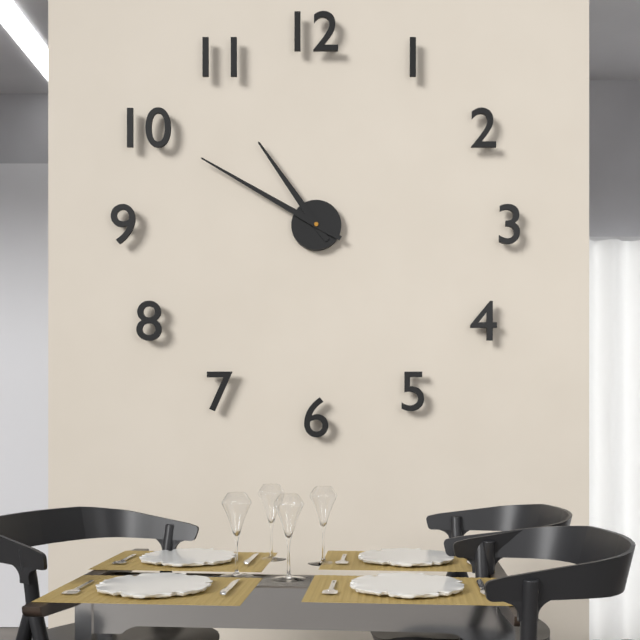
10h50
